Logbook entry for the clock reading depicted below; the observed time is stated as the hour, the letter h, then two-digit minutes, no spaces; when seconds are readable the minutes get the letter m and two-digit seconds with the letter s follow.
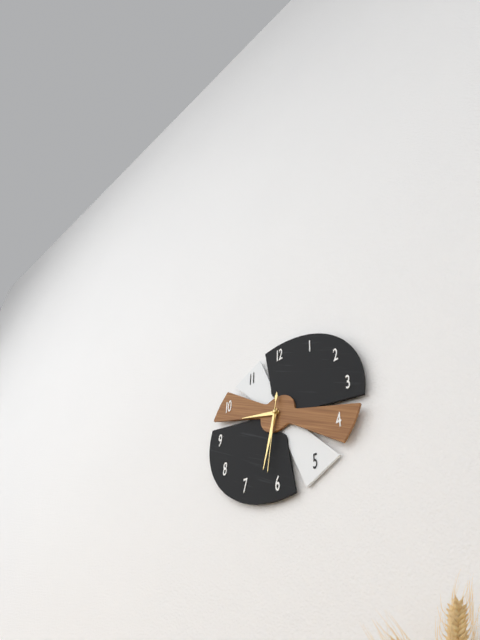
9h32m31s
